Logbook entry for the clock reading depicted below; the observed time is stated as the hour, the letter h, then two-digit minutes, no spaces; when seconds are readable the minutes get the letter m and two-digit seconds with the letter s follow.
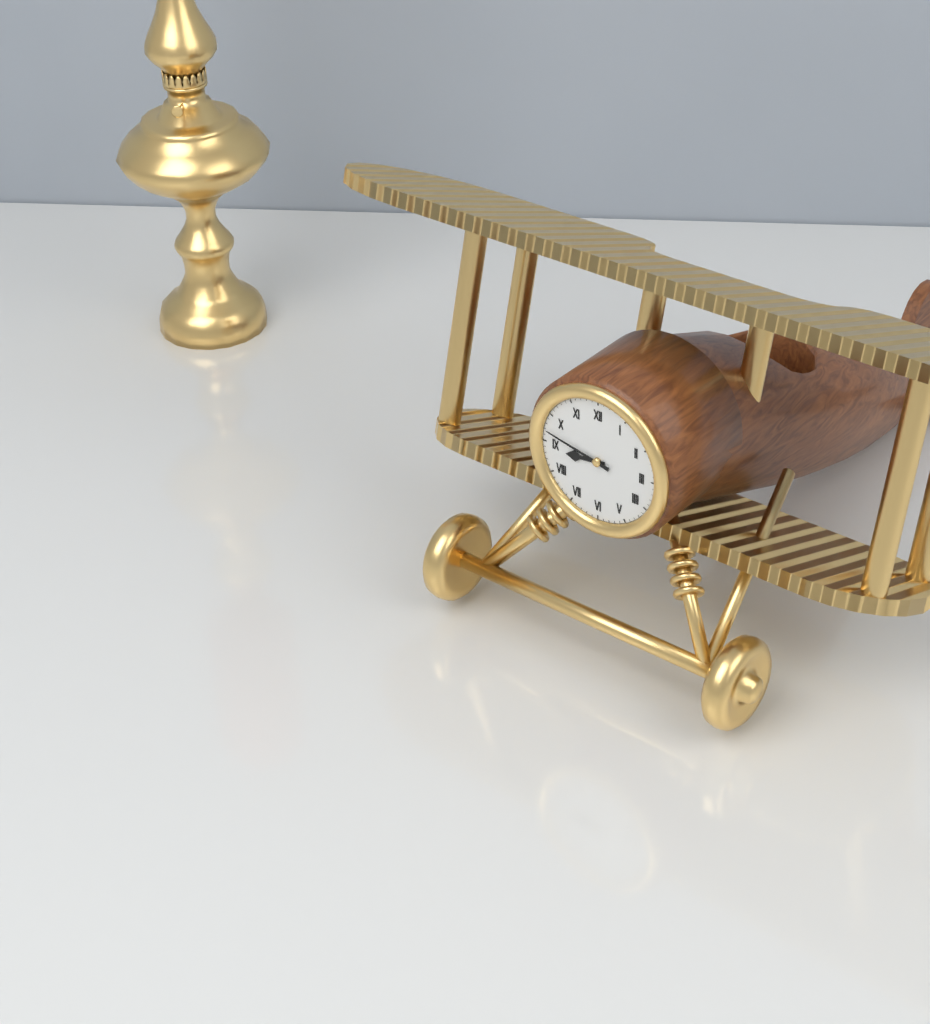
8h47
